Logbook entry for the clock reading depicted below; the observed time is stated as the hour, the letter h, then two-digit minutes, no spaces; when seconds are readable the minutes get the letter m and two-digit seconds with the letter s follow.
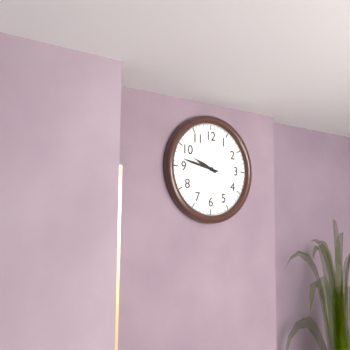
9h47
